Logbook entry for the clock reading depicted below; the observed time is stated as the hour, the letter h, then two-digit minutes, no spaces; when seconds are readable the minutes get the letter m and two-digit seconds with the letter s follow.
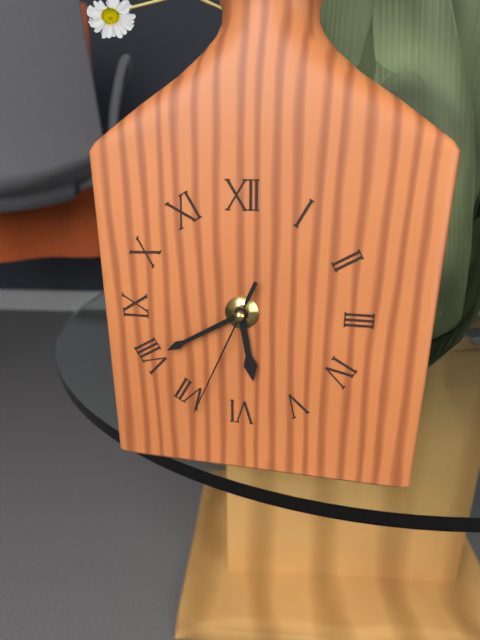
5h40m34s
